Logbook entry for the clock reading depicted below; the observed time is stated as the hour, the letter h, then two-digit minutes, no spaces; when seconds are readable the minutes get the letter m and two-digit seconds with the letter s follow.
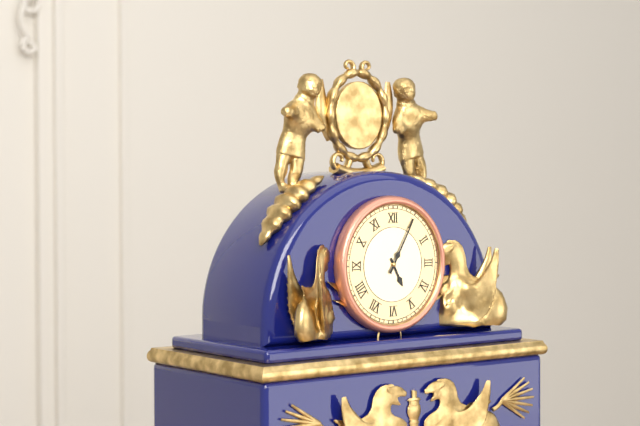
5h05
